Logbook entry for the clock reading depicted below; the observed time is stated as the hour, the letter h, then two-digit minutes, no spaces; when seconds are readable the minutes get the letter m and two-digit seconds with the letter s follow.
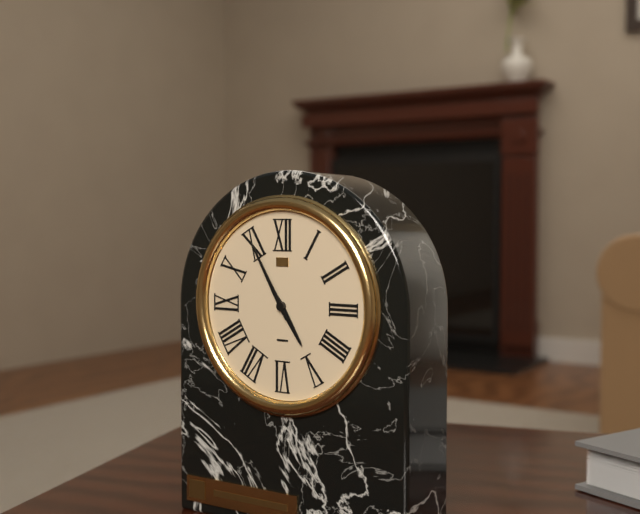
4h55
